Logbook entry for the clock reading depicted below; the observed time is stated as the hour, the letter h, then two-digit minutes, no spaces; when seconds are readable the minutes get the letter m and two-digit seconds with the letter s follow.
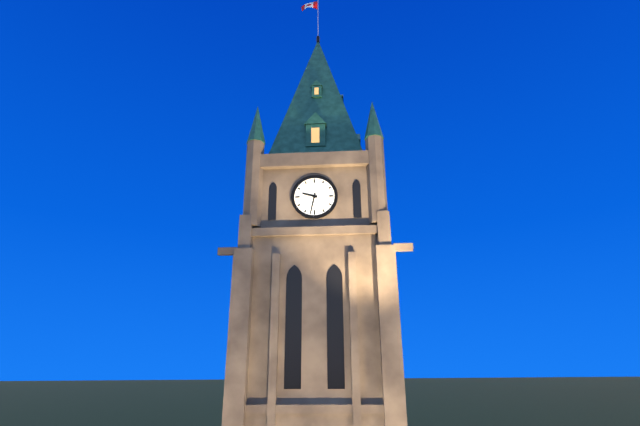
9h32
